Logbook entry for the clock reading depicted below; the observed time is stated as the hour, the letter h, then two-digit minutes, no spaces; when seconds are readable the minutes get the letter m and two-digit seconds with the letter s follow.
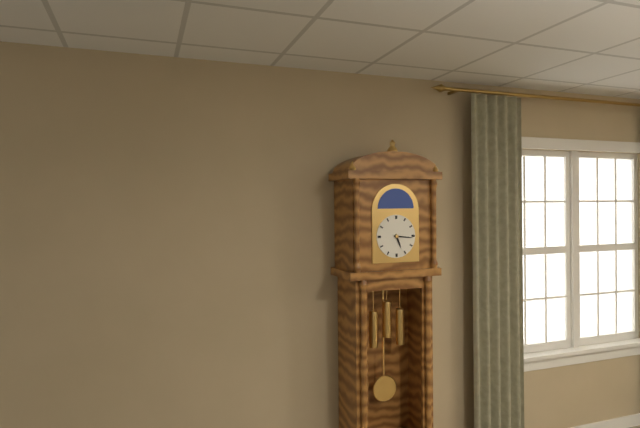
5h16
